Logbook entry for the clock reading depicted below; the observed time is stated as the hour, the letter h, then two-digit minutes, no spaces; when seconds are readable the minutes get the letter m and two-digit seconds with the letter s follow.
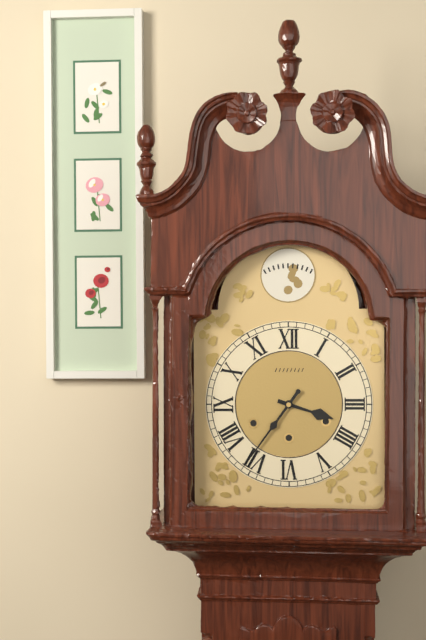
3h36
